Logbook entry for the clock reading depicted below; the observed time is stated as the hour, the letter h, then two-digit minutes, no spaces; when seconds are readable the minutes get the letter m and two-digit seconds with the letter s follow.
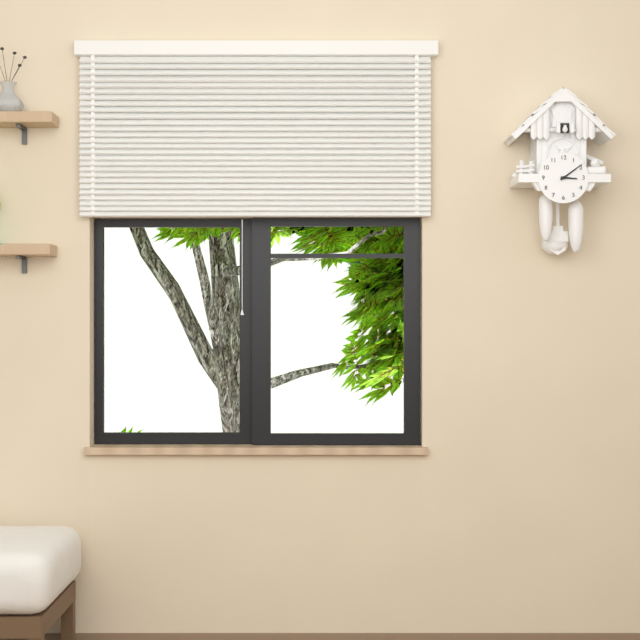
3h09
